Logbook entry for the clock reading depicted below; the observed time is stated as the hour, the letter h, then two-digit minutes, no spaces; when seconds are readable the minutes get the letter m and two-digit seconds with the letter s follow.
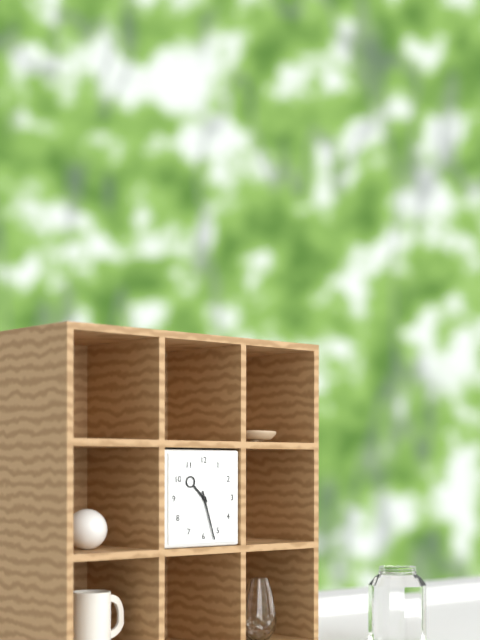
10h27
